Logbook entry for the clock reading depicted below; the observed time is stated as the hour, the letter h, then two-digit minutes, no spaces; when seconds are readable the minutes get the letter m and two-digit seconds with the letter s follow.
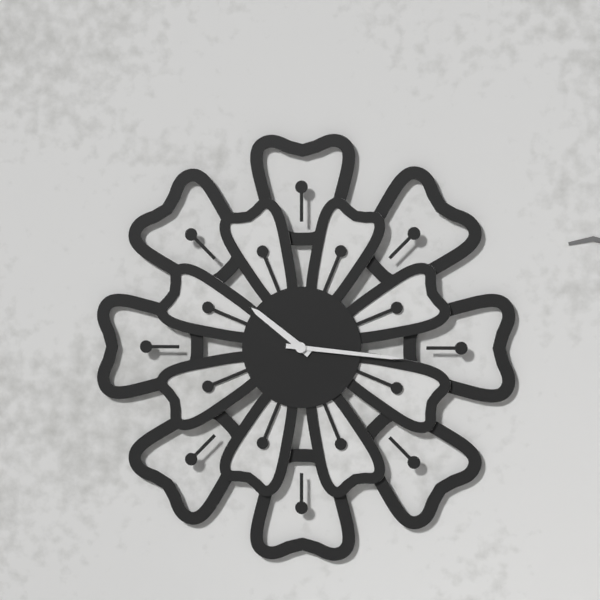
10h16
